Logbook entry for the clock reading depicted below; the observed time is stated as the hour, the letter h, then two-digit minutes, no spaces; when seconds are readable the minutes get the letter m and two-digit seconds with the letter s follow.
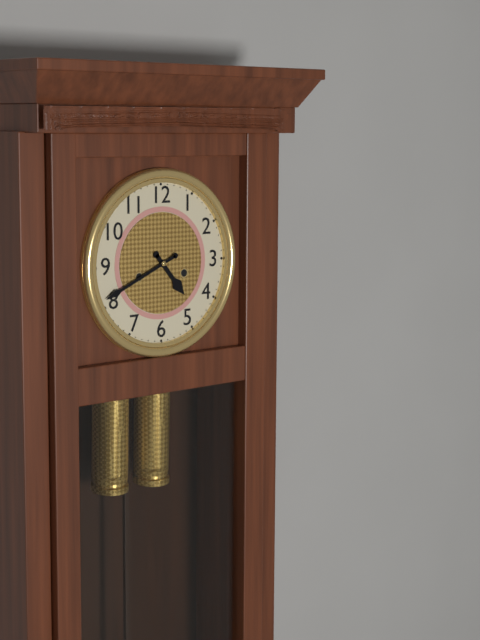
4h41
